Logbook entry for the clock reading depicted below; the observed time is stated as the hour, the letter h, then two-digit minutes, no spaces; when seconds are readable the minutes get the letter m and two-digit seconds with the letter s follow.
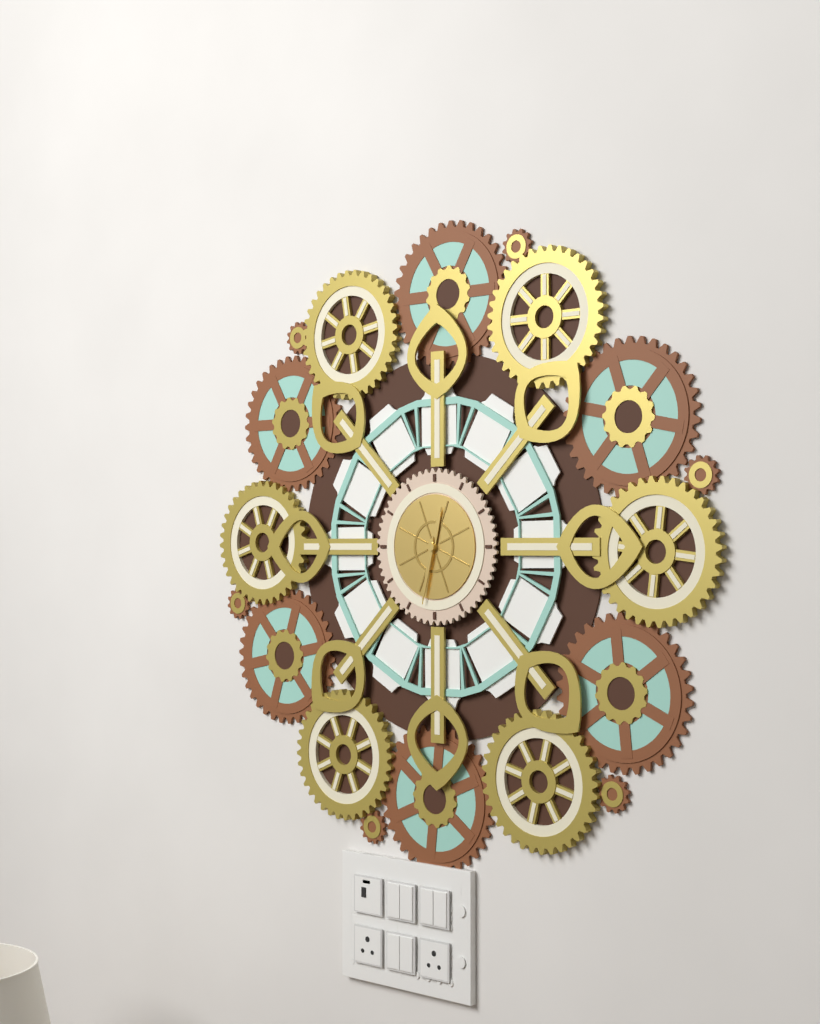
12h32
